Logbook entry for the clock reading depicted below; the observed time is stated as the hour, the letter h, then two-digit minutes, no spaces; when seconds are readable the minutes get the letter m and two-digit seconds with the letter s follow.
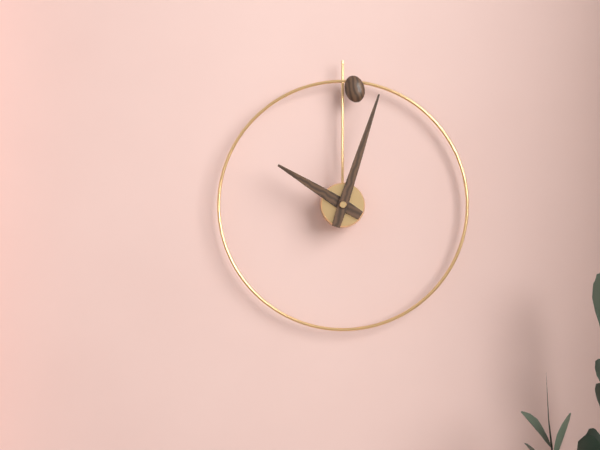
10h03
